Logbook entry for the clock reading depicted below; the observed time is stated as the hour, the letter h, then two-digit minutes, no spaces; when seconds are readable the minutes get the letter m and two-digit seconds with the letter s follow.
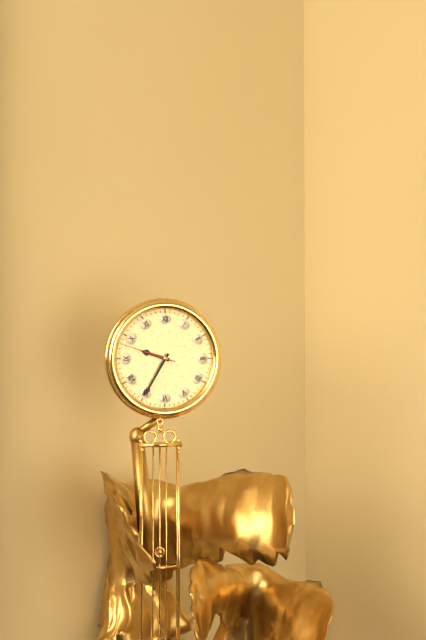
9h35m48s
